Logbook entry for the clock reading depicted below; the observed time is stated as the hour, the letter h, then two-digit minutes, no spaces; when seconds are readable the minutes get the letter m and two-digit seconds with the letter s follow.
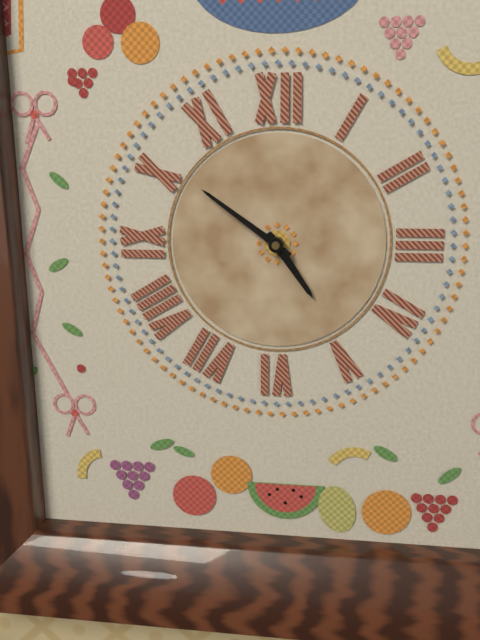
4h51
